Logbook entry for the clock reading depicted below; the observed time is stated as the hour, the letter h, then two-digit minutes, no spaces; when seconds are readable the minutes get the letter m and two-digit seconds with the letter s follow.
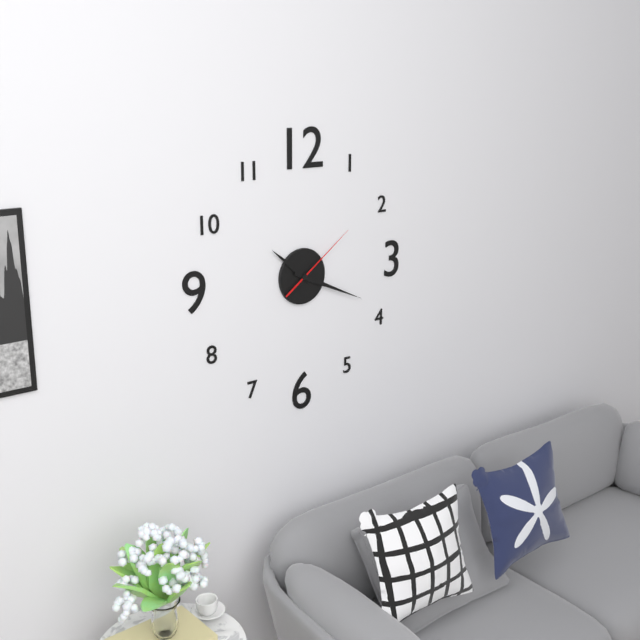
10h19m09s
